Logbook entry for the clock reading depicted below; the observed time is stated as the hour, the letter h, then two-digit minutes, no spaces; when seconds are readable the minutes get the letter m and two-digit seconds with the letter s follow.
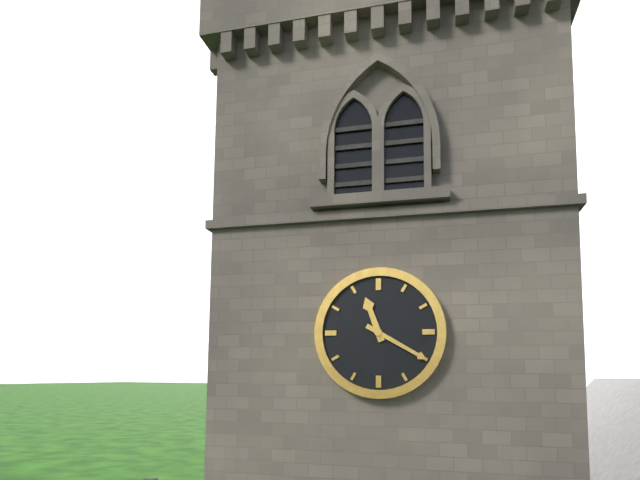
11h20
